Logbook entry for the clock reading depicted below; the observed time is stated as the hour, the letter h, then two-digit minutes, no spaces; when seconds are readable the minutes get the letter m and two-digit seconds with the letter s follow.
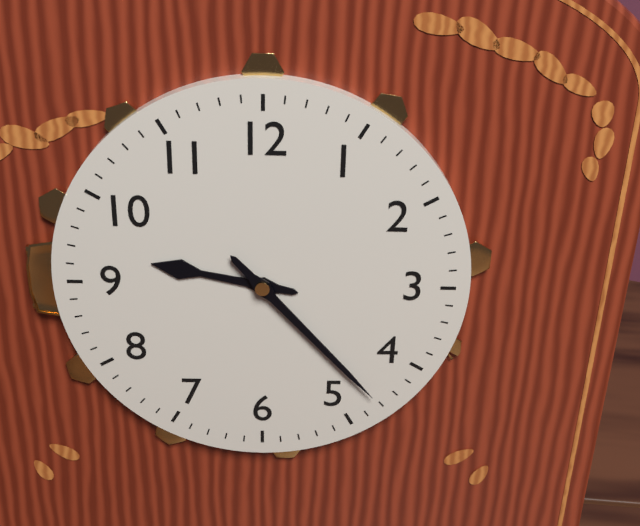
9h23
